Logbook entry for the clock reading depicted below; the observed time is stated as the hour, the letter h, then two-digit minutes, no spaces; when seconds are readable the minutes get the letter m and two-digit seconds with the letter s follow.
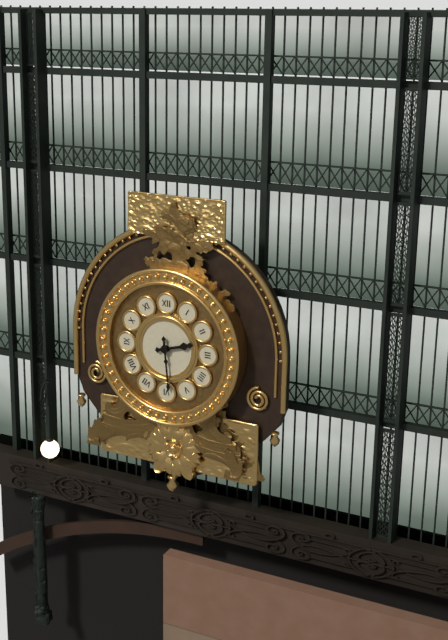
2h29
